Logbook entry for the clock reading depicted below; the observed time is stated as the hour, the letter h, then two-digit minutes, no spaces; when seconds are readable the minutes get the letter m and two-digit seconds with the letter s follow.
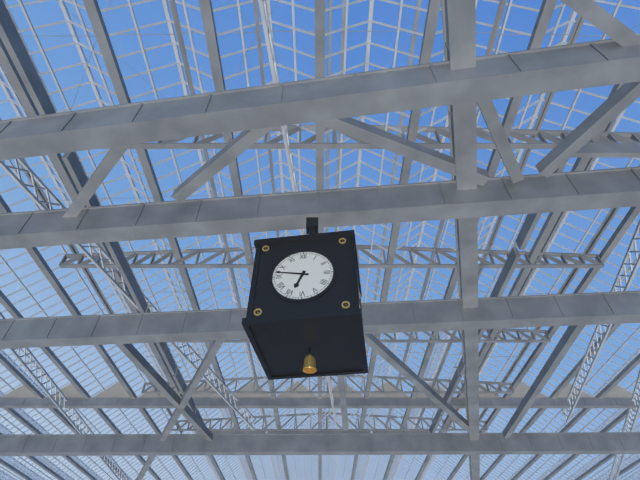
6h47
